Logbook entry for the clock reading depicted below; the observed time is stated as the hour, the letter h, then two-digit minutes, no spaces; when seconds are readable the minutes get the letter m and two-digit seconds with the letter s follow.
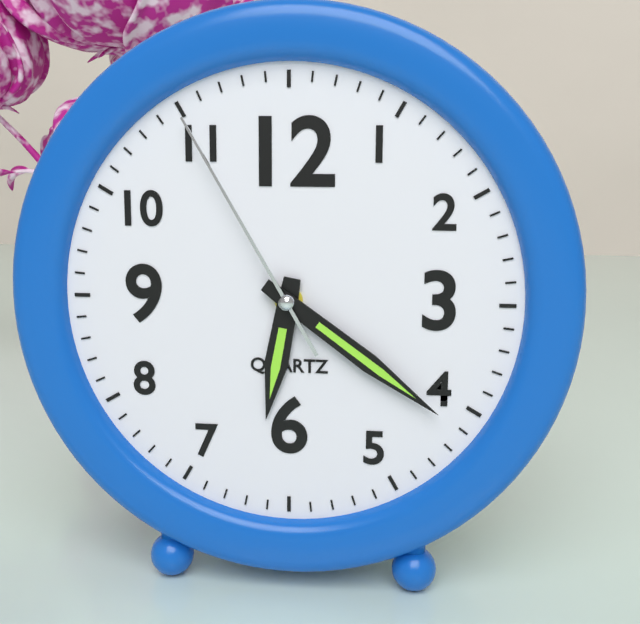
6h21m55s
